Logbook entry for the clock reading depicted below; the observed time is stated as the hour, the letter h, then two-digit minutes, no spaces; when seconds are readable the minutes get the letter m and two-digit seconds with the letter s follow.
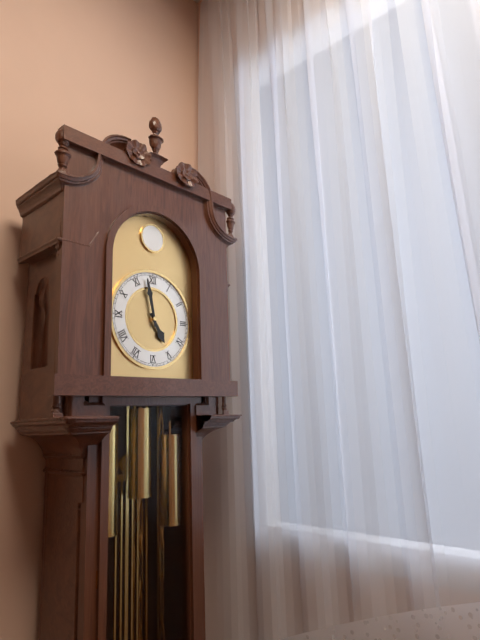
4h58
